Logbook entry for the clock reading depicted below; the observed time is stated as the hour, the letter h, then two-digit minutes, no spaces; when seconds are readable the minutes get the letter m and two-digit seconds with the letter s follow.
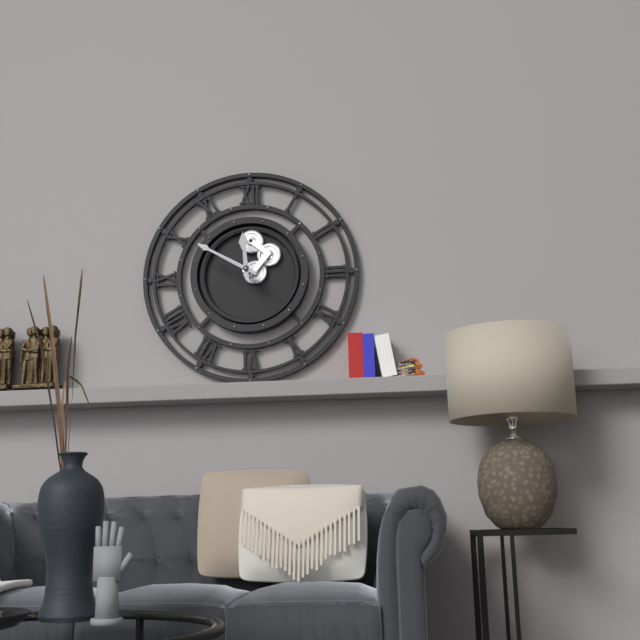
11h50
